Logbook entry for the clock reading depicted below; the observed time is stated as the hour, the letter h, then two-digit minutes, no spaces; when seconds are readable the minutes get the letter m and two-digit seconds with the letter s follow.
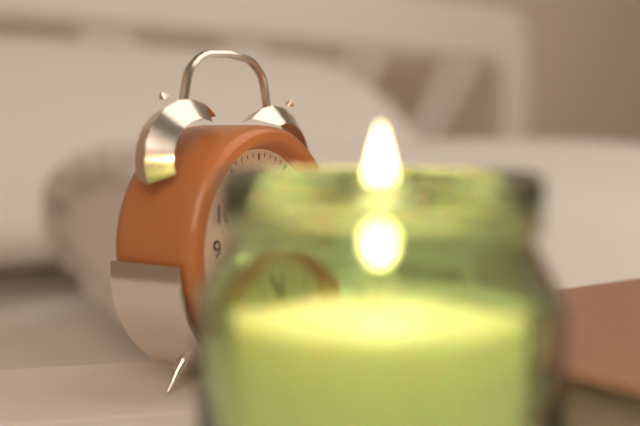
11h55
